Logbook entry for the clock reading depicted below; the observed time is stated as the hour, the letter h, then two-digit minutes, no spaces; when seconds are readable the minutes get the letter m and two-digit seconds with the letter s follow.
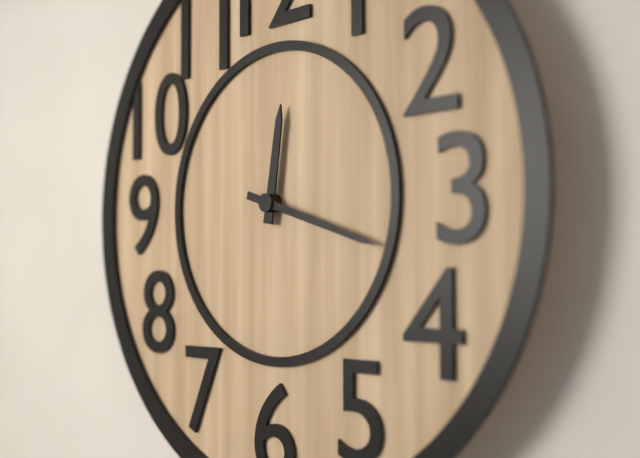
12h18
